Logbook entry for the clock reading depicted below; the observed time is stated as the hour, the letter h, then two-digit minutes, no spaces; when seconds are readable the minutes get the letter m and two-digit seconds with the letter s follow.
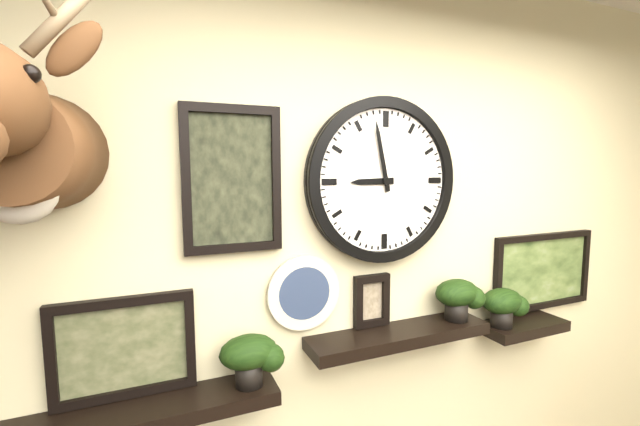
8h58
